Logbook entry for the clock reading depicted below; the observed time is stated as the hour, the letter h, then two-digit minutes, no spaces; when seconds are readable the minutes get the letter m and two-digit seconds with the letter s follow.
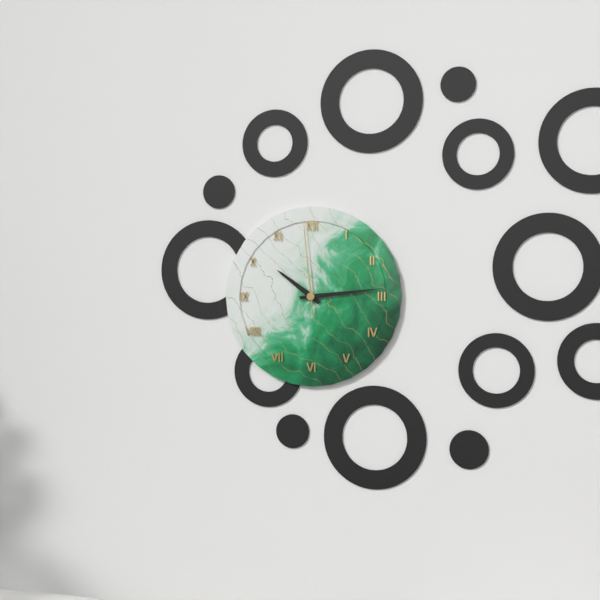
10h14m59s
